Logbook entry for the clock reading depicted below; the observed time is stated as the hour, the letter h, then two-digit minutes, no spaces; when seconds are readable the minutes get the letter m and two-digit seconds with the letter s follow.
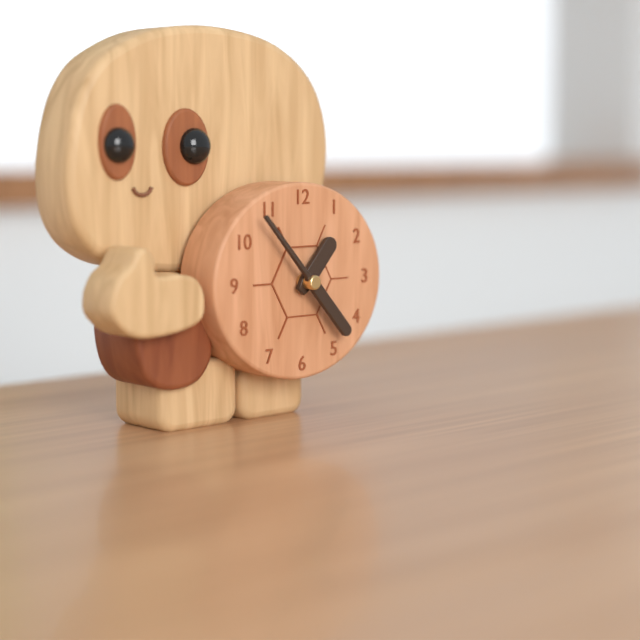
1h23
